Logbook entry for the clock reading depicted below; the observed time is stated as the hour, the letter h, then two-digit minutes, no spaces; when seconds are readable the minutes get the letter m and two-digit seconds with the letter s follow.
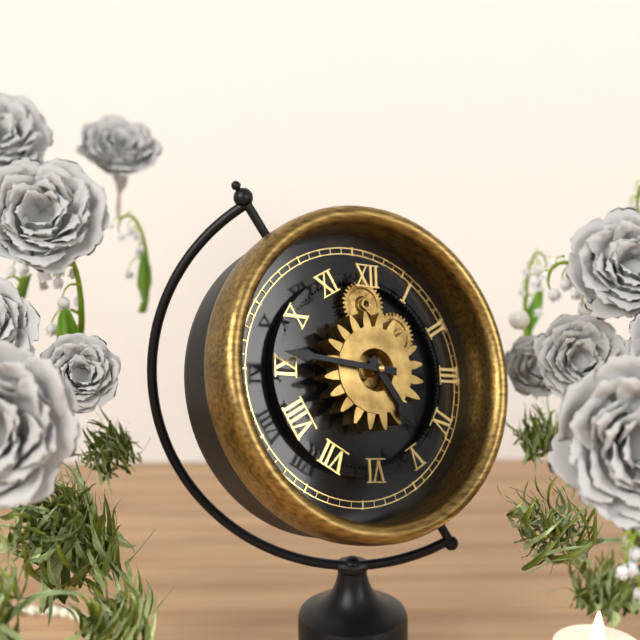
4h46
